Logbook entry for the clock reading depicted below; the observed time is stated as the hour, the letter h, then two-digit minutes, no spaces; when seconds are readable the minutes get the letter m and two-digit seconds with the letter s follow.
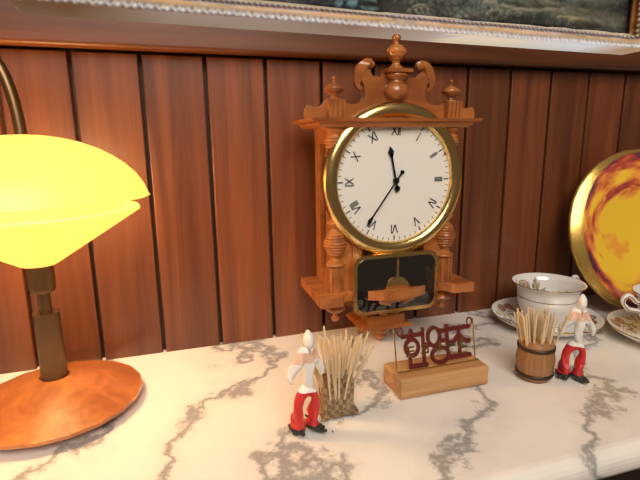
11h36
